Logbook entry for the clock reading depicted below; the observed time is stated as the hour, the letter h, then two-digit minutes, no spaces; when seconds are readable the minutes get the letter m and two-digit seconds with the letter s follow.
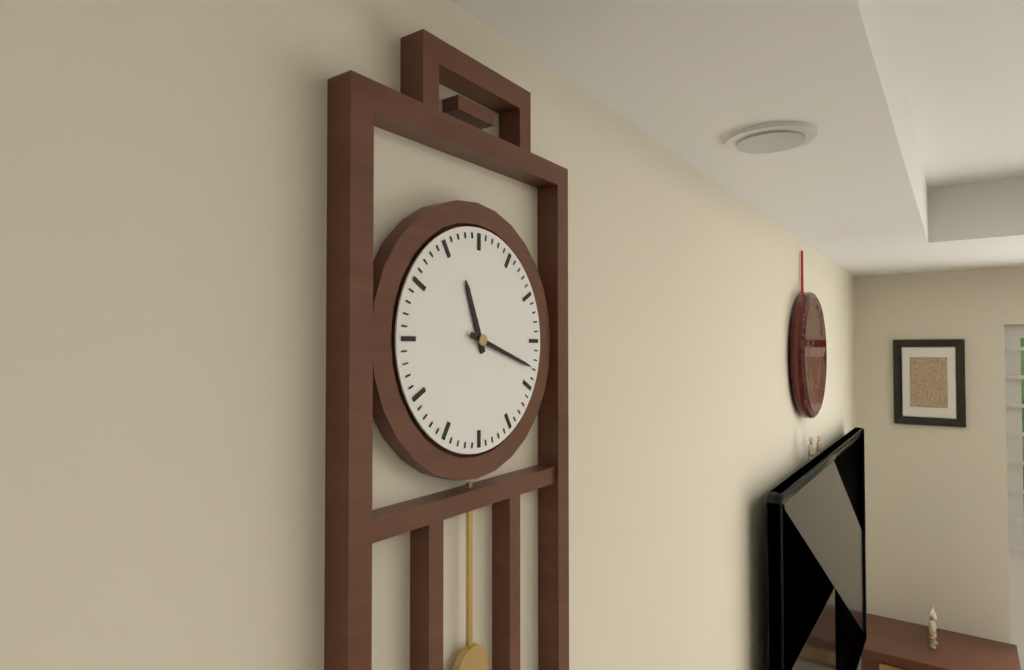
11h18
